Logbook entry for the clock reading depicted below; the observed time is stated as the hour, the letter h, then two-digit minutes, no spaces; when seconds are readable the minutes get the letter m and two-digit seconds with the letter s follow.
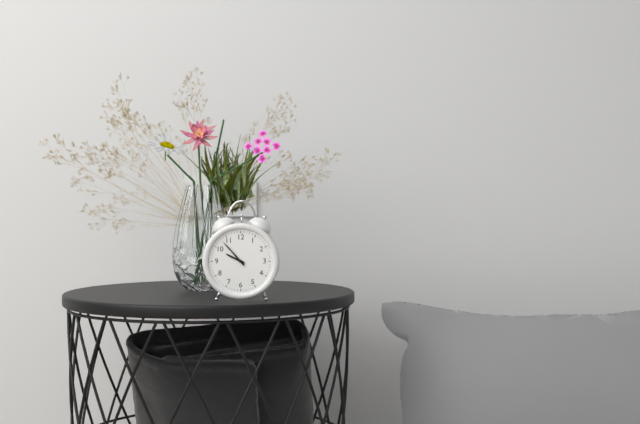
9h53
